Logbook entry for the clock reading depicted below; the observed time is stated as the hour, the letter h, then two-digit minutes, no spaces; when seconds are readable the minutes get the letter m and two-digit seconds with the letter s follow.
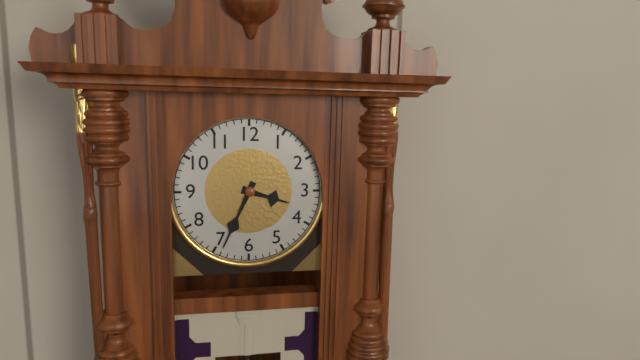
3h34
